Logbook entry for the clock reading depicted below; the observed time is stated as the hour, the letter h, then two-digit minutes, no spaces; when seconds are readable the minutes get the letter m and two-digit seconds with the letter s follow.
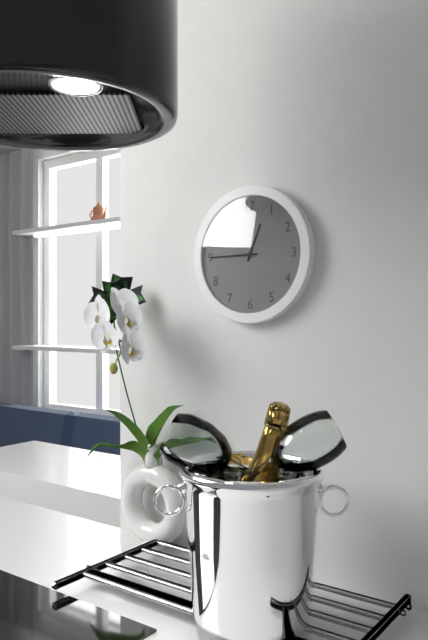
12h45
